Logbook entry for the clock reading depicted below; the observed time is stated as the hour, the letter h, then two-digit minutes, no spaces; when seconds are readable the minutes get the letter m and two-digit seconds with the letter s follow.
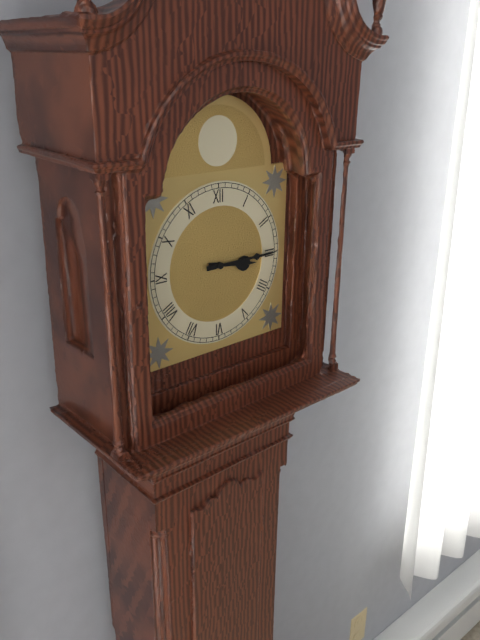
3h15
